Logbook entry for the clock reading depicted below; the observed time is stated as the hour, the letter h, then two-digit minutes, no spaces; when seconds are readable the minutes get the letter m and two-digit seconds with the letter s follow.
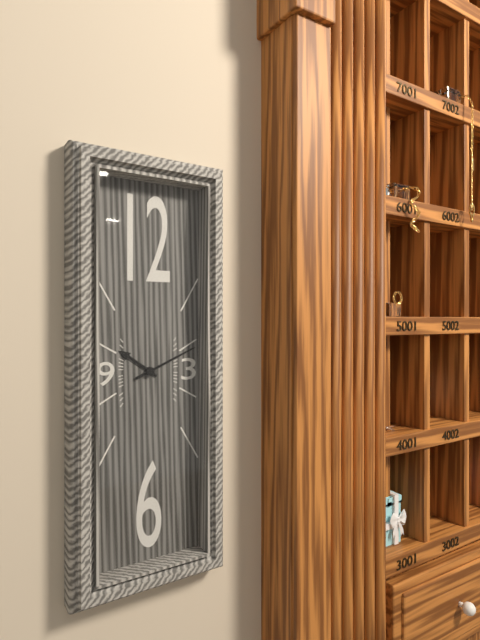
10h11
